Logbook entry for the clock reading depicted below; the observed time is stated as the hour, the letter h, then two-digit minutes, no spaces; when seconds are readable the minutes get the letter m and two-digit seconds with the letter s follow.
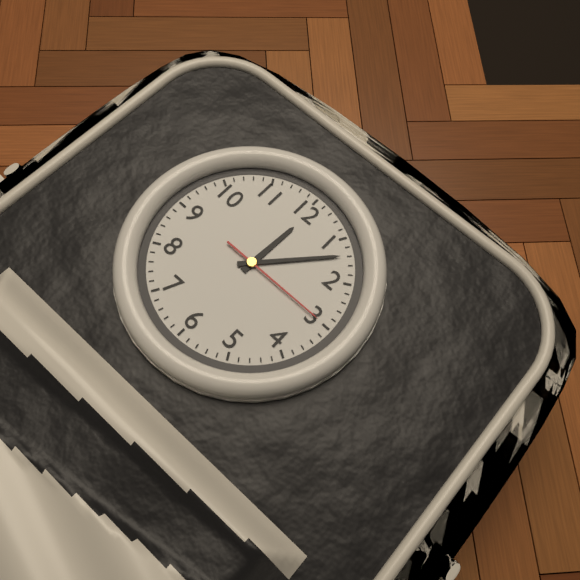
12h07m15s
